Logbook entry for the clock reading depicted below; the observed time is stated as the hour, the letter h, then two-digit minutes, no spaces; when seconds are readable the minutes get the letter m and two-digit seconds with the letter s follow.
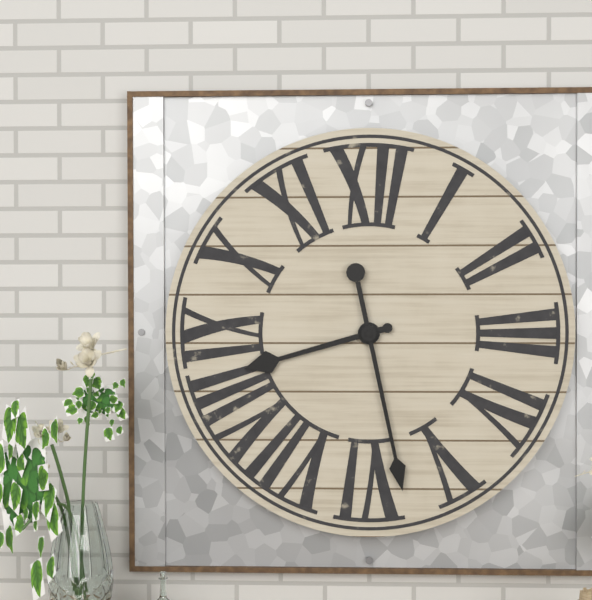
8h28
